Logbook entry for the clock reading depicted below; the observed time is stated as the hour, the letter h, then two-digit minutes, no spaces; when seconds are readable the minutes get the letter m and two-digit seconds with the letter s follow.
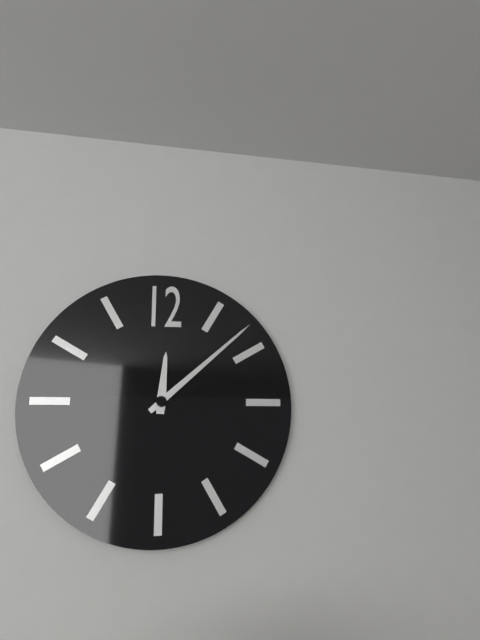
12h08
